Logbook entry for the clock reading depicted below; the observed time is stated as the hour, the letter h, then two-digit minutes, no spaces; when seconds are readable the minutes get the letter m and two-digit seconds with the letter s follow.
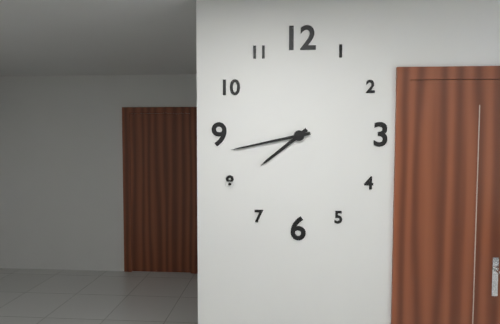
7h43
